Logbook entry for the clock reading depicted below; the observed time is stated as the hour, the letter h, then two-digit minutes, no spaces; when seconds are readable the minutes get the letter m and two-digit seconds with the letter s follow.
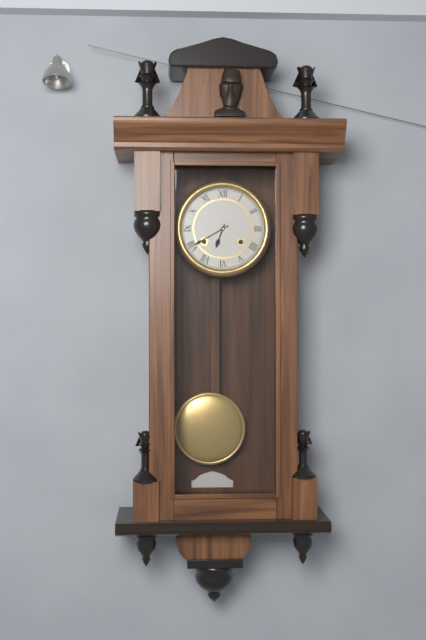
6h40
